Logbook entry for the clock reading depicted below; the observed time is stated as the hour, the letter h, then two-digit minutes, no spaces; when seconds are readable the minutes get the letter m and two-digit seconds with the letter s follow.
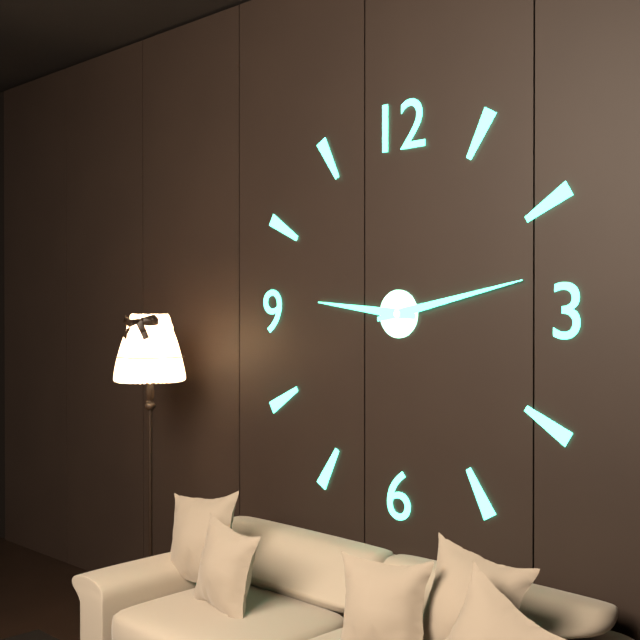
9h13
